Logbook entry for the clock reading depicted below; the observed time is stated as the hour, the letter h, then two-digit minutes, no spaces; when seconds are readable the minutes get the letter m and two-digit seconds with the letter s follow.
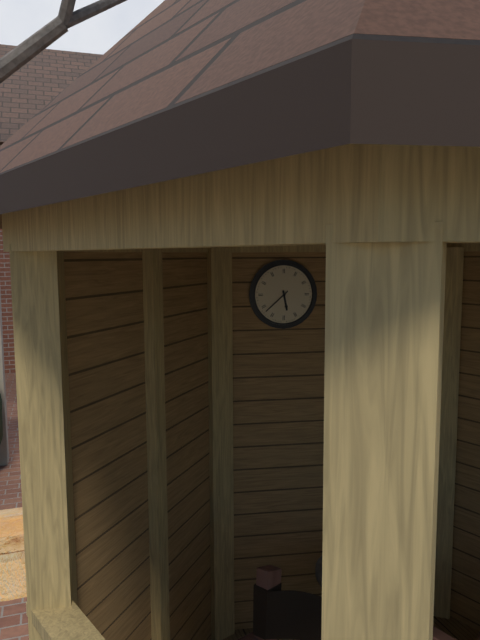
5h38
